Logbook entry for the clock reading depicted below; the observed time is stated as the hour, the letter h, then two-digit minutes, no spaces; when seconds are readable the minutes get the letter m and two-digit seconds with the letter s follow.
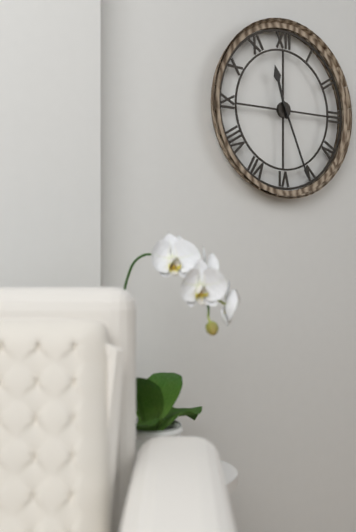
11h26
